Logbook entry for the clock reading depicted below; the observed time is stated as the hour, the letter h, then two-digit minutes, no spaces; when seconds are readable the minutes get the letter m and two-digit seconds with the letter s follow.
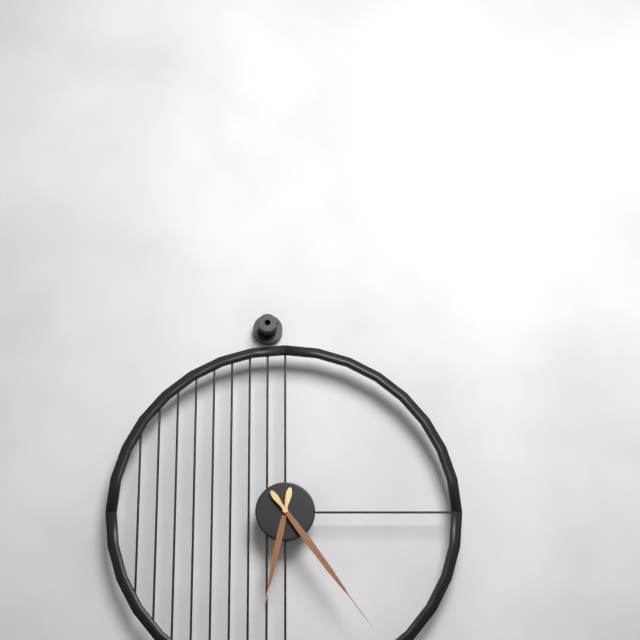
6h24
